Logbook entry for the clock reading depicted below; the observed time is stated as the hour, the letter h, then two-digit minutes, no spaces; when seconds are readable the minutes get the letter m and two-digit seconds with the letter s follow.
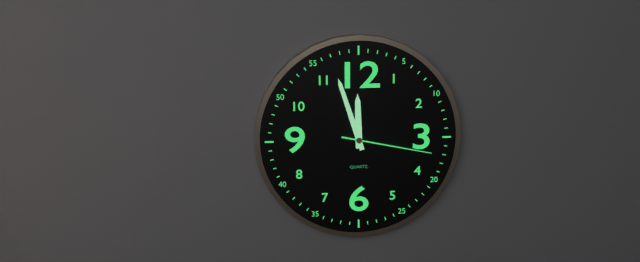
11h57m17s
